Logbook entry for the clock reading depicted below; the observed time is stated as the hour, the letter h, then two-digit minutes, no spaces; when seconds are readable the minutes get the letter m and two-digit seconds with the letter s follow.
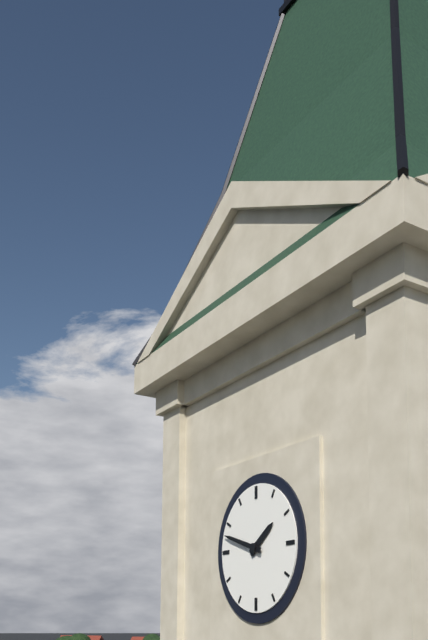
1h48
